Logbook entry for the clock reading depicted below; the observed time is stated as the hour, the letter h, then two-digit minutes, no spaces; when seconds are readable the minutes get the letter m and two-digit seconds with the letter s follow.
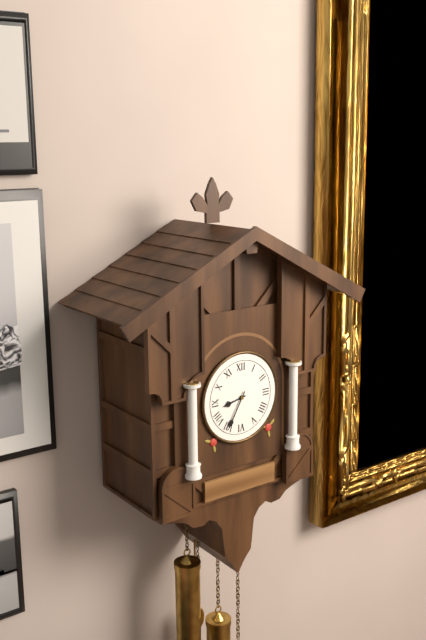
8h35
